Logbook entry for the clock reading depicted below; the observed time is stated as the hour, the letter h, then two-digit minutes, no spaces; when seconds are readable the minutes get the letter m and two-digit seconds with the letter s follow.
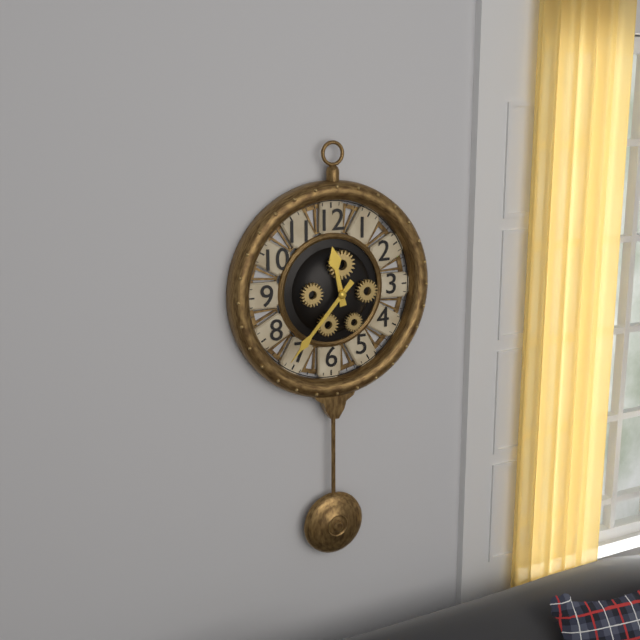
11h37
